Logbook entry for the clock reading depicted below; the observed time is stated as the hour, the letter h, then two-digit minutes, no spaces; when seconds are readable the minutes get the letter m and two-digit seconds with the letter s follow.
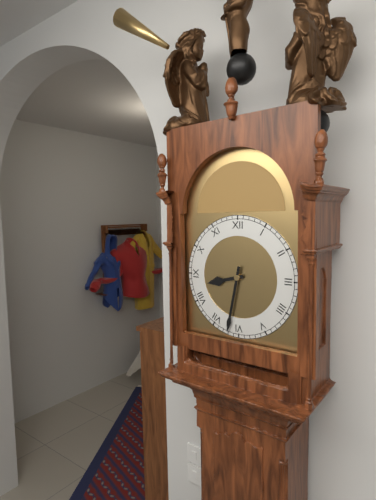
8h32
